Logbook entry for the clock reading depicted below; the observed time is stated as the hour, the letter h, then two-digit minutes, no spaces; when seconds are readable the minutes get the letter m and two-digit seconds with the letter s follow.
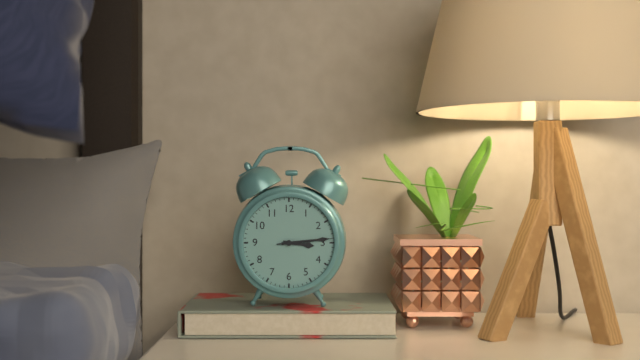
3h14m14s
